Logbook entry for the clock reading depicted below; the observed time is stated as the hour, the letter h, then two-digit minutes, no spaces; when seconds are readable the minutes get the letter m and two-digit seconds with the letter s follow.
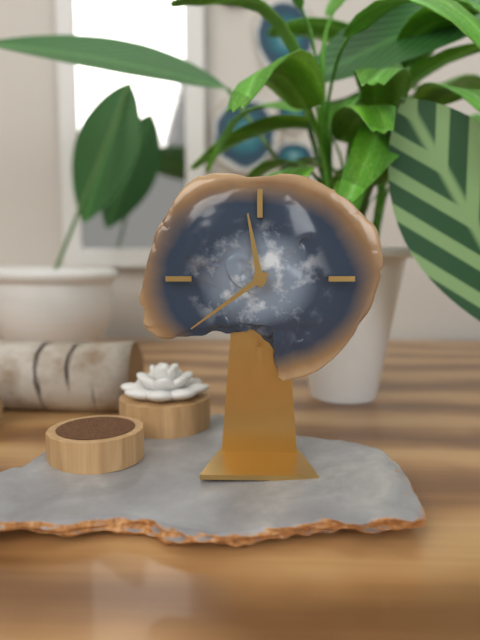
11h39
